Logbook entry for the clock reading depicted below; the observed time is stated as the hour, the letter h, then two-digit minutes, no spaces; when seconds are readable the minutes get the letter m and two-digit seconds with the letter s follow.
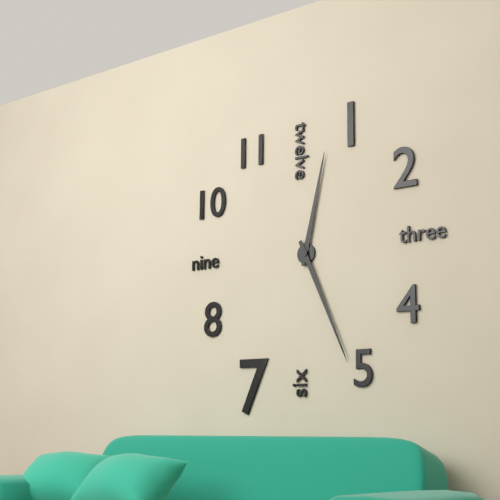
12h26
